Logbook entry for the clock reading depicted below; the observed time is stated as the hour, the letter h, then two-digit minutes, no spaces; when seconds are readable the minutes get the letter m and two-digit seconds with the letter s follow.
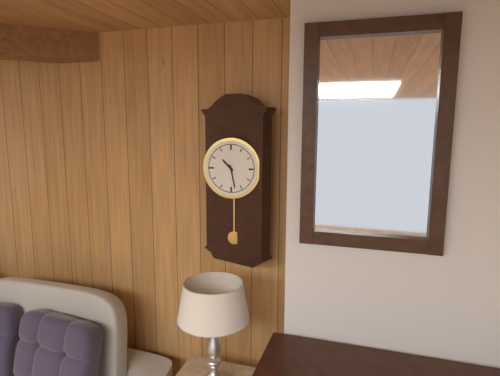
10h28
